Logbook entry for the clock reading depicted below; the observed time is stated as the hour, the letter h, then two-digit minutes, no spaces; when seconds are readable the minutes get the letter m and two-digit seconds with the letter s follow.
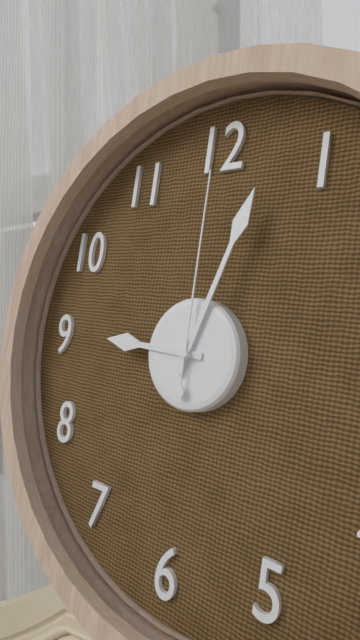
9h03m00s
